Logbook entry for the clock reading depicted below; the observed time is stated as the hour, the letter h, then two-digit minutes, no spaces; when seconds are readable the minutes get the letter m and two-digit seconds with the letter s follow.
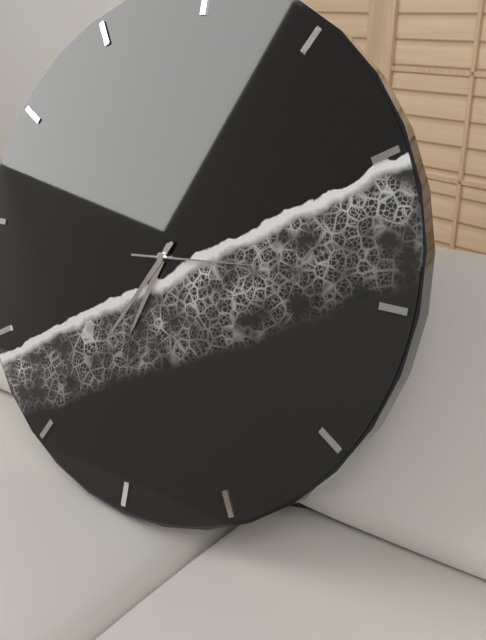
6h35m14s
